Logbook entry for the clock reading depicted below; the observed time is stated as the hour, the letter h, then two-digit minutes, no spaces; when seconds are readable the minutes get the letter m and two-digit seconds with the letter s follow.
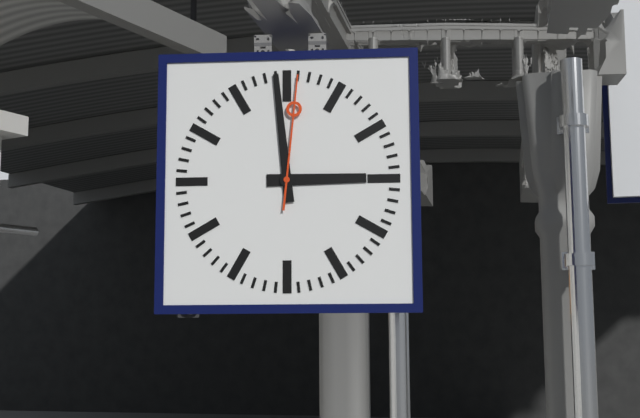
2h59m01s
